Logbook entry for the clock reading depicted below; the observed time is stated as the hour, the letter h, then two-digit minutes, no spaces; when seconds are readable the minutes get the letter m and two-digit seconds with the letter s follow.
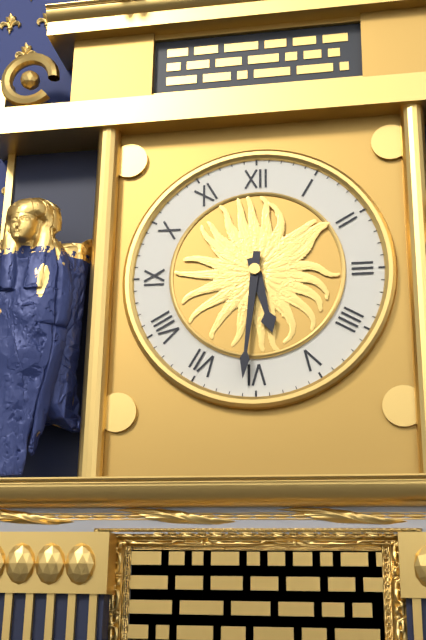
5h31
